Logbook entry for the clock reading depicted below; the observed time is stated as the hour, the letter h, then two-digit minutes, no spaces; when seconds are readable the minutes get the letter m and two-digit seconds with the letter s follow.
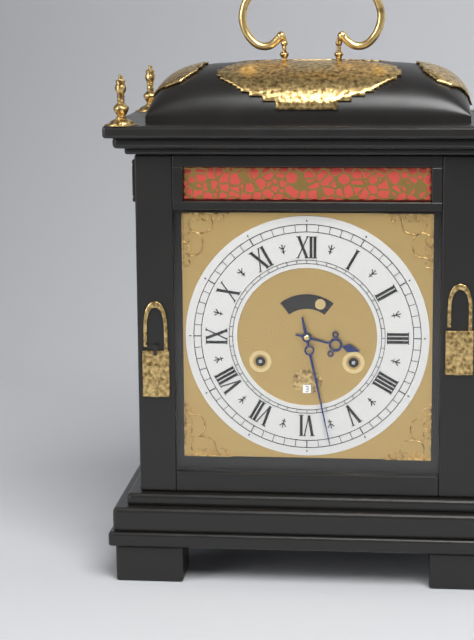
3h28
